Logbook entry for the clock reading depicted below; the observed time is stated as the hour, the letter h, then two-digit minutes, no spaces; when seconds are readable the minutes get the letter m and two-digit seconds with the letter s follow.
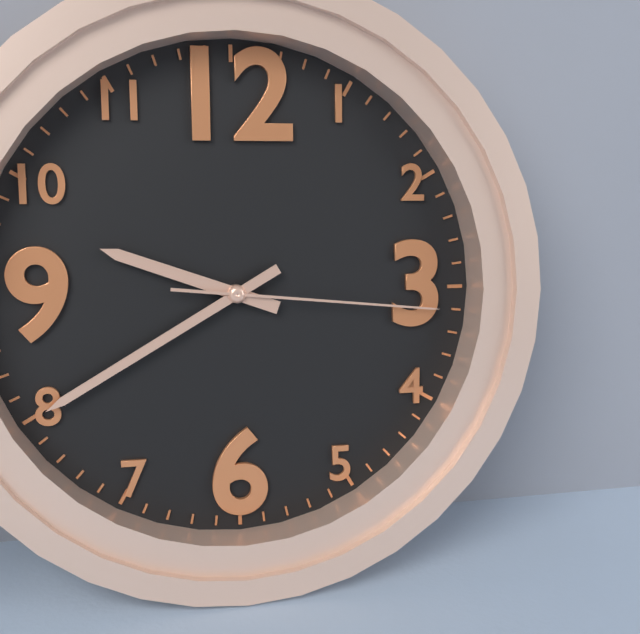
9h40m16s
